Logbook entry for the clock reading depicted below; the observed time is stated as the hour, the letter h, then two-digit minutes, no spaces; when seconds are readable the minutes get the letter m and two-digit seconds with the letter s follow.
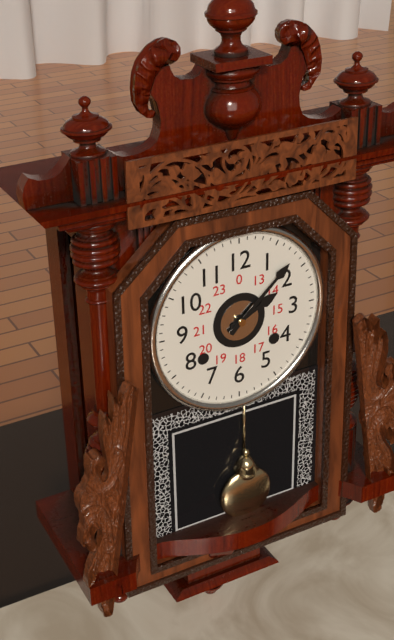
2h08
